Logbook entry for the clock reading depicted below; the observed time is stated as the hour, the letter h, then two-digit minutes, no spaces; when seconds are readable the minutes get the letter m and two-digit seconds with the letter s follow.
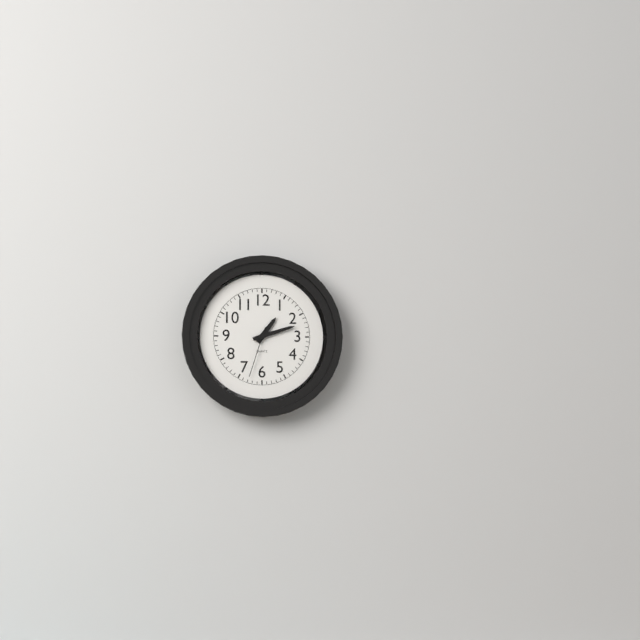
1h12m33s
